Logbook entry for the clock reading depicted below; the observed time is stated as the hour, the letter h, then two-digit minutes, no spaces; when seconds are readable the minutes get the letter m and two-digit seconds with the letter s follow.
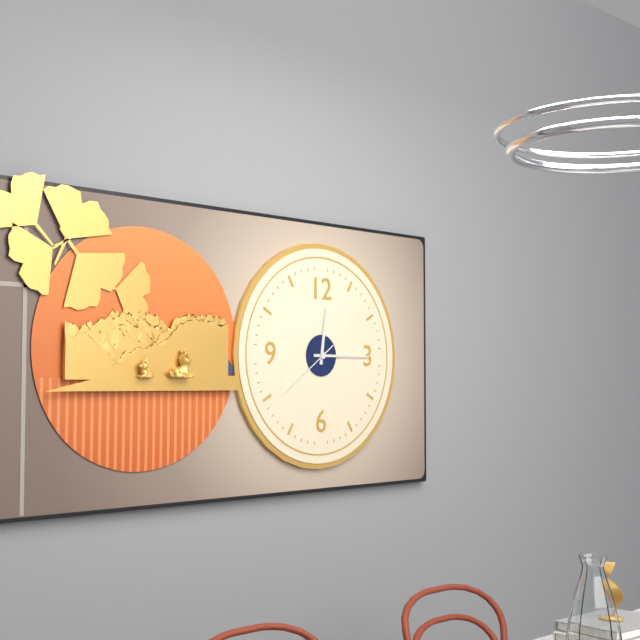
12h15m39s
